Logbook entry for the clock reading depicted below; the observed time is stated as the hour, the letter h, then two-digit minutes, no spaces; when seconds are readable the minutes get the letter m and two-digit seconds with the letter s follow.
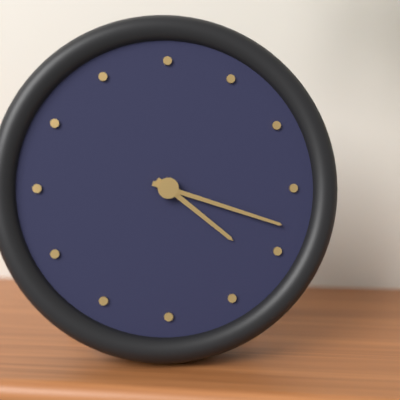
4h18
